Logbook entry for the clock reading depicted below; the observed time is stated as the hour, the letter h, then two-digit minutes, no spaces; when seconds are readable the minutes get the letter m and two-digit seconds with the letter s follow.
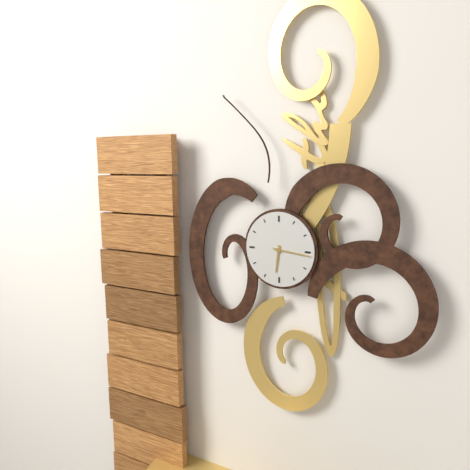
6h16
